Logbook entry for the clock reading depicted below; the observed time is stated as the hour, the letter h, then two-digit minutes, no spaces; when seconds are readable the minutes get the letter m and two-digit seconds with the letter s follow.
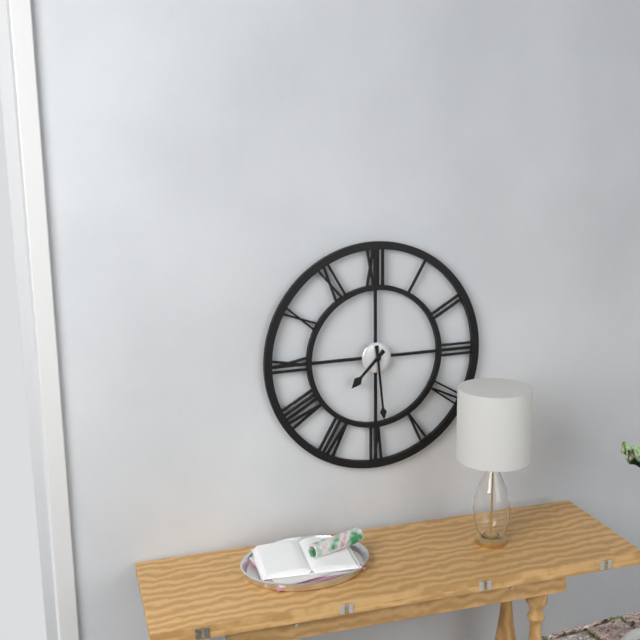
7h29
